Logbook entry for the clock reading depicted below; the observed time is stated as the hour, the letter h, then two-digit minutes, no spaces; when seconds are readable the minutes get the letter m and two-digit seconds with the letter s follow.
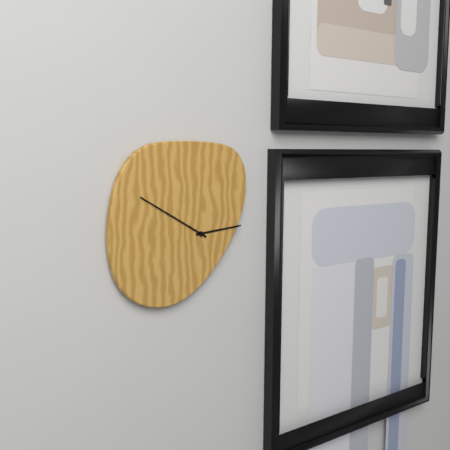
2h50
